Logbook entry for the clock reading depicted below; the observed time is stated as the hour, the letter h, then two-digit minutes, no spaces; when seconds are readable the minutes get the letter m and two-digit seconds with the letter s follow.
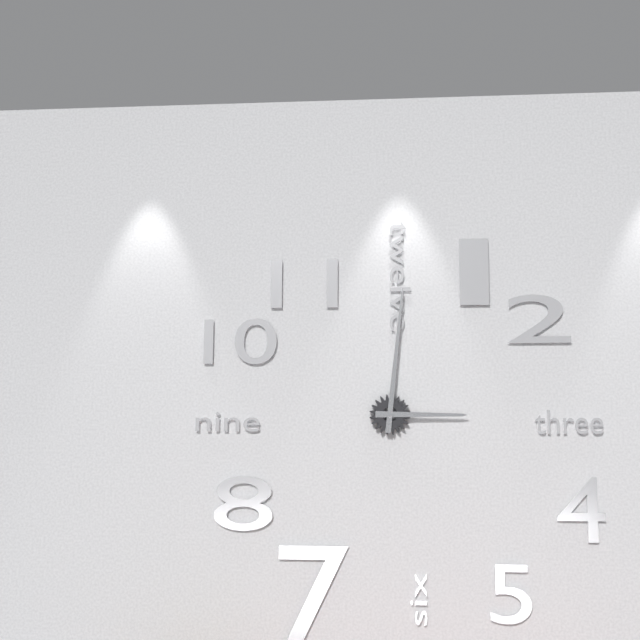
3h01
